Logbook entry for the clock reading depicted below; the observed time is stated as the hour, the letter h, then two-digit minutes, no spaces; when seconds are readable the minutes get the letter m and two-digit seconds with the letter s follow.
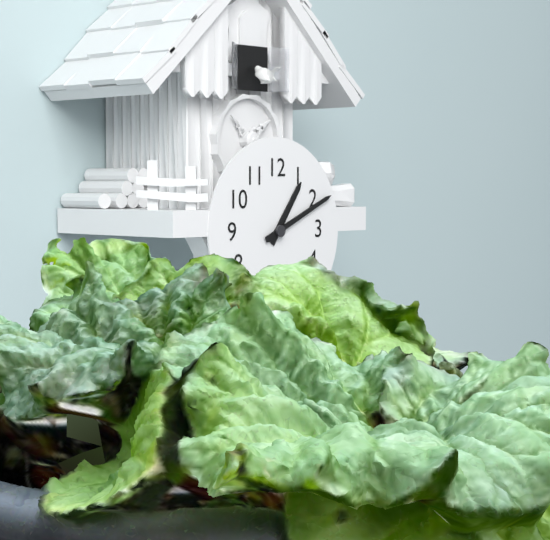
1h11
